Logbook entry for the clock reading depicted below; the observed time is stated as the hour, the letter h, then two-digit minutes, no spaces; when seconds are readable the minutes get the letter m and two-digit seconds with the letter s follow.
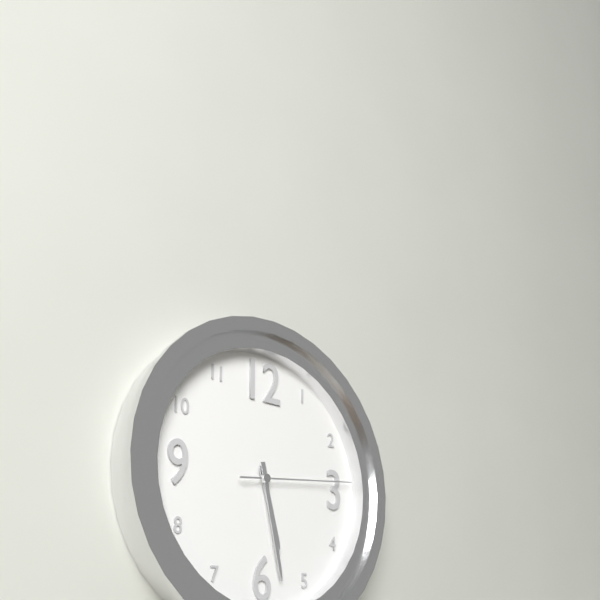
5h28m14s
